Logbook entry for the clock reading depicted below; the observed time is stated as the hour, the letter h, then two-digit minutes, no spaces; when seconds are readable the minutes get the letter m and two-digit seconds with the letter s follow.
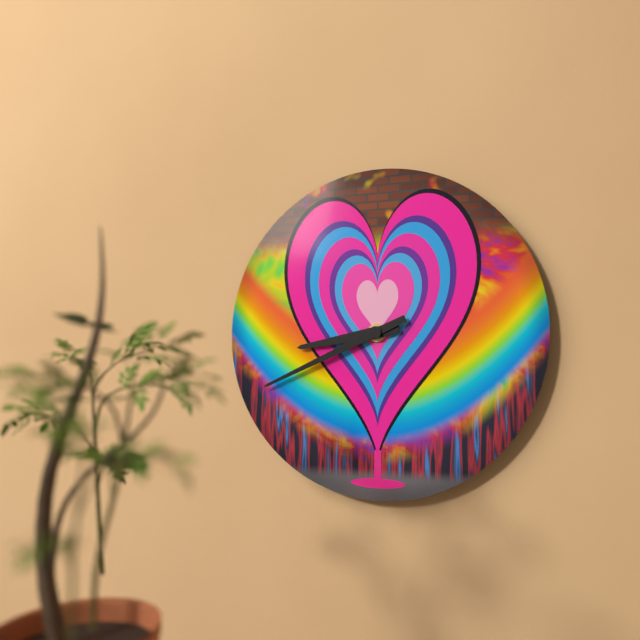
8h41
